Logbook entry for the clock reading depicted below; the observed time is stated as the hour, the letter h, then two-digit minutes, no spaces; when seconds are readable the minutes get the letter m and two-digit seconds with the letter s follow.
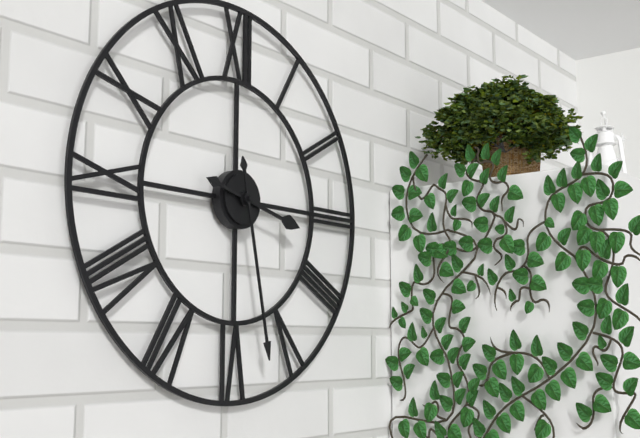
3h28
